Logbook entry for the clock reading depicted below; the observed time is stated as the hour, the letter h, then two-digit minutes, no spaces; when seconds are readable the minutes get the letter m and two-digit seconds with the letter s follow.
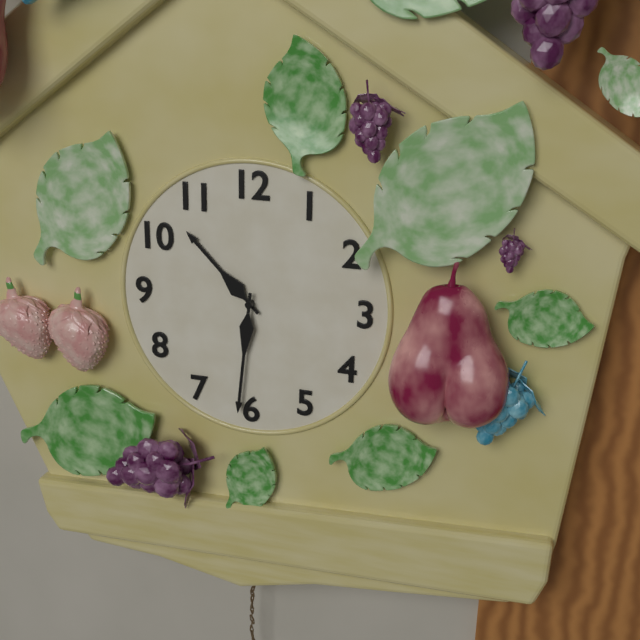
10h31
